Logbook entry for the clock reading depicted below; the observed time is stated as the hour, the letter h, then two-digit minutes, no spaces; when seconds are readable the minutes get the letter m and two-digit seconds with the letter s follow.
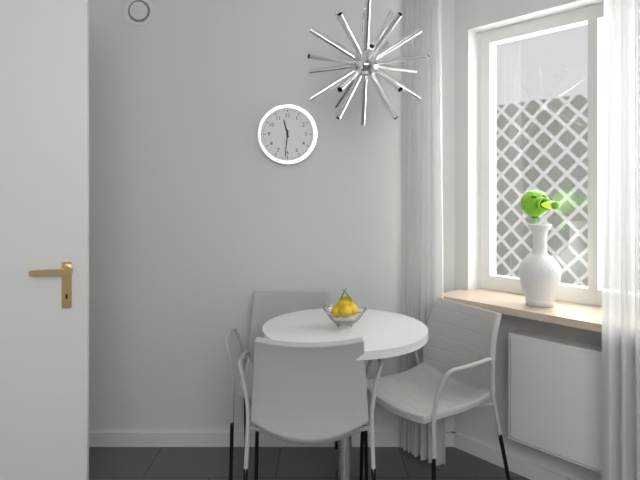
11h31
